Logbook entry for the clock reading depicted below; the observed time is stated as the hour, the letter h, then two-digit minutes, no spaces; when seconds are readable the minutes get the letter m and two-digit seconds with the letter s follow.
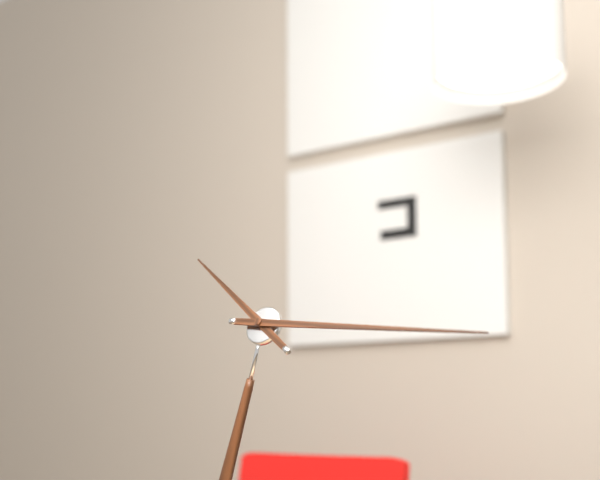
10h16
